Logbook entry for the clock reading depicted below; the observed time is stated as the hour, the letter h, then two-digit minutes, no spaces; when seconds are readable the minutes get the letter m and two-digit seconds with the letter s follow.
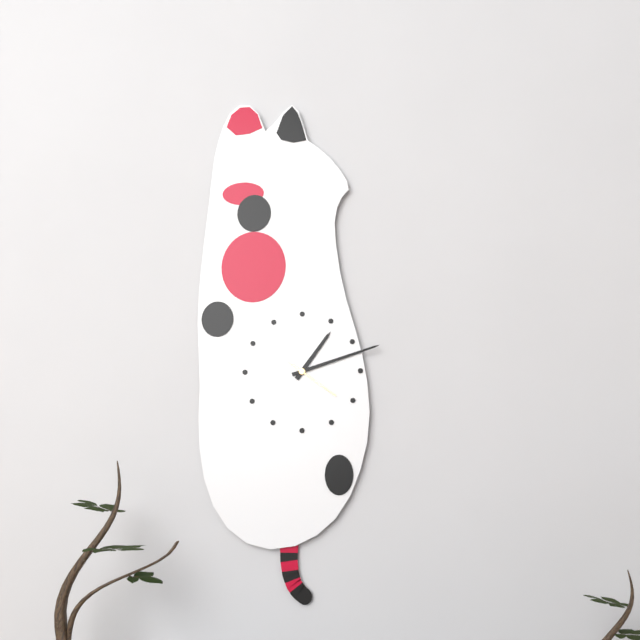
1h12m21s
